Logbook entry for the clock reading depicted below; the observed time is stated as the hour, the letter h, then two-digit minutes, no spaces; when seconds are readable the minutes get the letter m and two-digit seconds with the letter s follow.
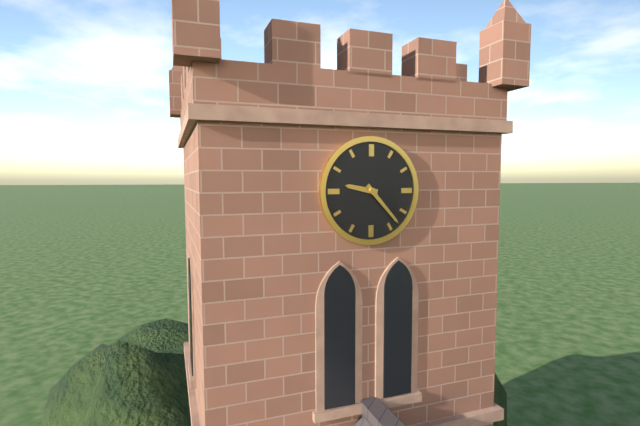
9h23
